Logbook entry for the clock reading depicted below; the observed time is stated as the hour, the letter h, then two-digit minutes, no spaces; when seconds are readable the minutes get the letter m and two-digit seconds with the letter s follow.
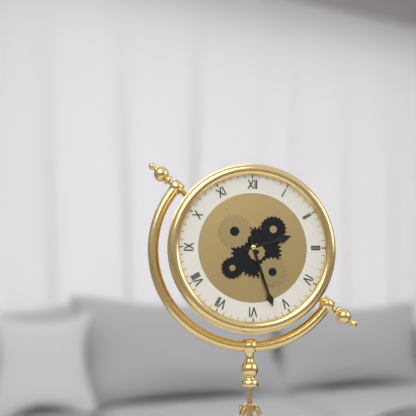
2h27
